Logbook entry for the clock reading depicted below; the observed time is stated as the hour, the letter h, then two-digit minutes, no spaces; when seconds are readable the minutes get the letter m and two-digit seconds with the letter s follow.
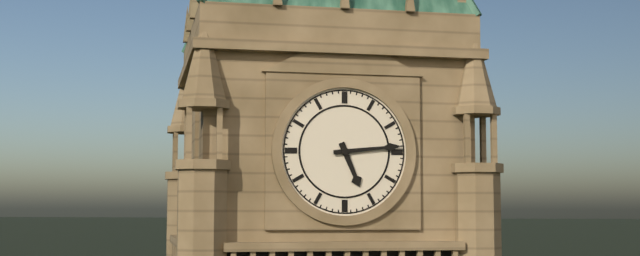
5h14
